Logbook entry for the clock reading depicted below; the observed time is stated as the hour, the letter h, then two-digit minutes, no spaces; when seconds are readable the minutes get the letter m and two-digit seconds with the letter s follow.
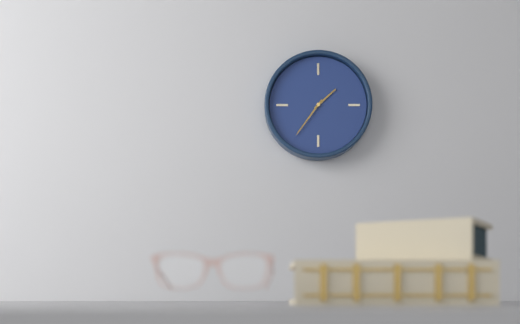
1h36
